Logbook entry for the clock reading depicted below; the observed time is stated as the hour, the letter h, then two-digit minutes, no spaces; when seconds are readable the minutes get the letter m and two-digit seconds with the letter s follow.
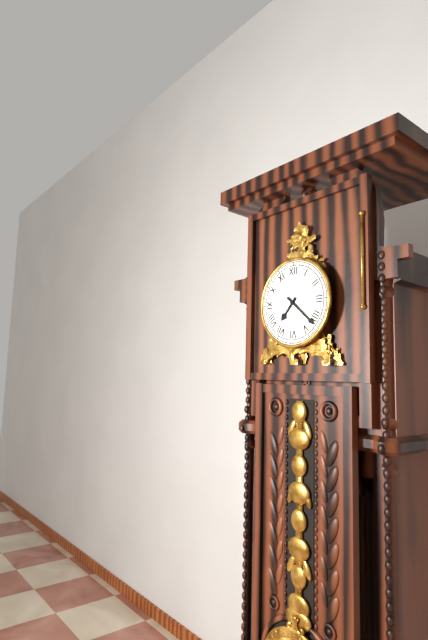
7h22
